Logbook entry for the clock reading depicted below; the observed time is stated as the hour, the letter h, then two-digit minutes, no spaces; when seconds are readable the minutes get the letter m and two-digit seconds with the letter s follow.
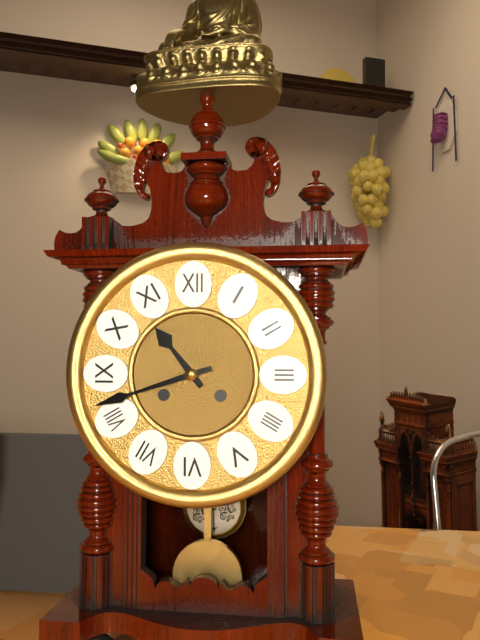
10h42
